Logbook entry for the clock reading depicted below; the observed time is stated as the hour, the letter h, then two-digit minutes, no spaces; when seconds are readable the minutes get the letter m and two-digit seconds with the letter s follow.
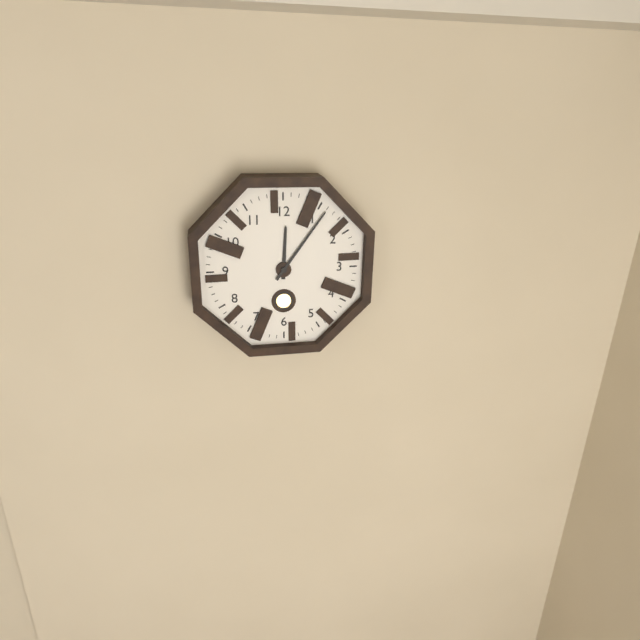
12h06
